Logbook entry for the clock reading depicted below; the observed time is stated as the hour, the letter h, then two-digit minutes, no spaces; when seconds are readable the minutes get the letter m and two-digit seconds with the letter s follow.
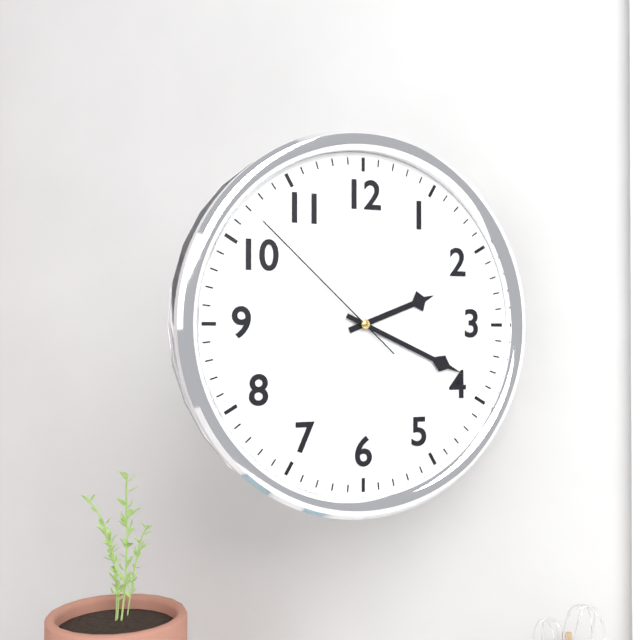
2h19m52s
